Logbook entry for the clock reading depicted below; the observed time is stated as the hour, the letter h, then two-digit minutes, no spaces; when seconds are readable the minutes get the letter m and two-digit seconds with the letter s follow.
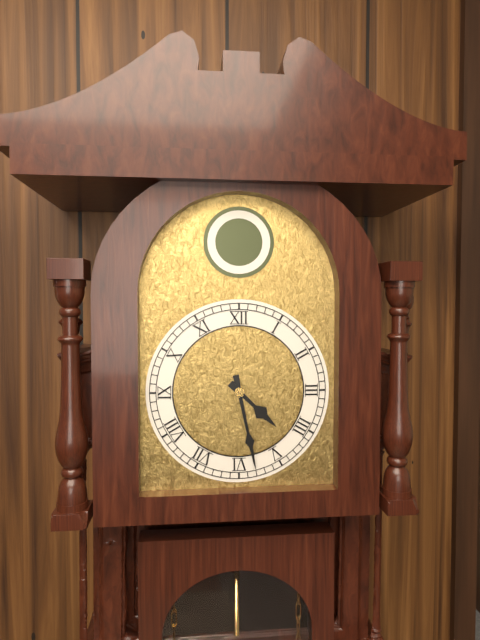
4h28
